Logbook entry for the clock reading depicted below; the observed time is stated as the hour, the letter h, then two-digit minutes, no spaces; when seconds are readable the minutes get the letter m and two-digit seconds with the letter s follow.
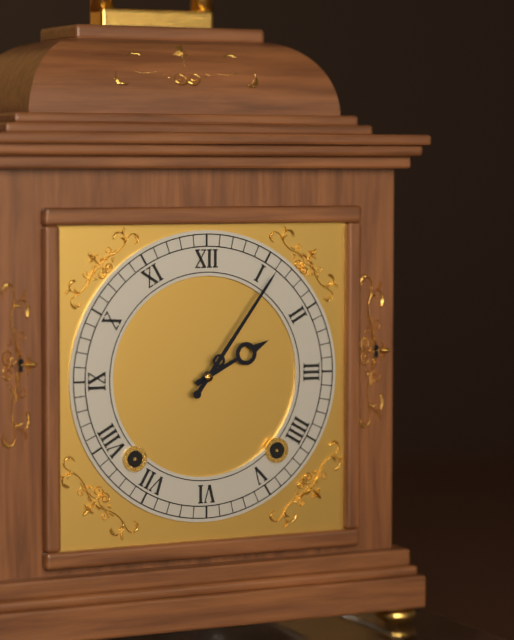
2h06
